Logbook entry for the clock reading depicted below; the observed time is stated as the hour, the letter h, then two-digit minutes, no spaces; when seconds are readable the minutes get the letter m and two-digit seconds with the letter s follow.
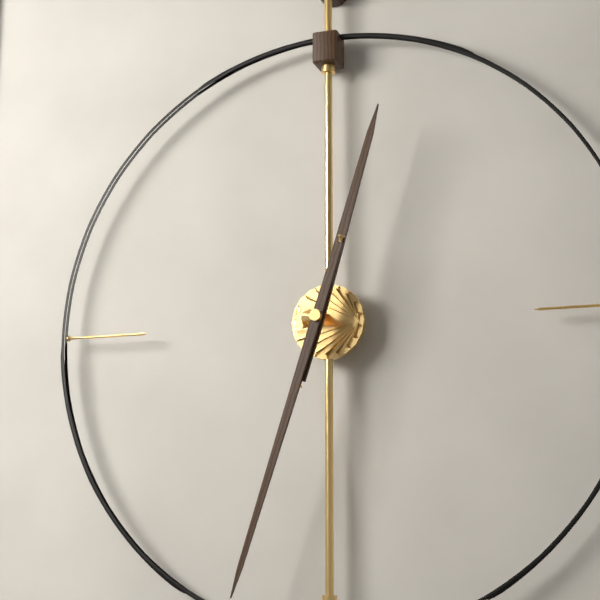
12h33
